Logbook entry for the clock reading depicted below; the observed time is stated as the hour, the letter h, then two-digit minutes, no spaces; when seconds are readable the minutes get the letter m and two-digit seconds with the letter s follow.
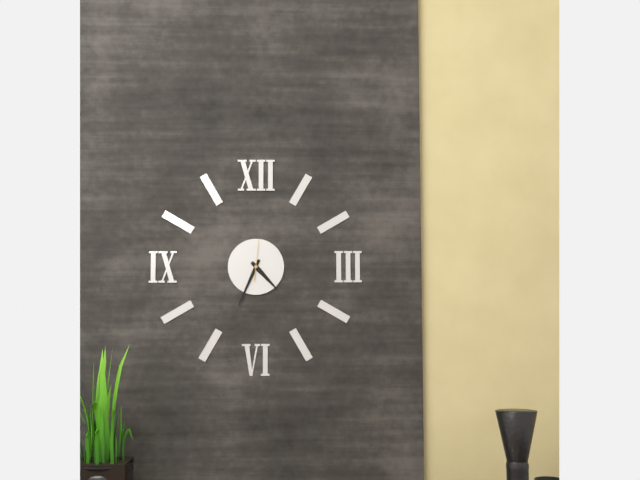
4h34
